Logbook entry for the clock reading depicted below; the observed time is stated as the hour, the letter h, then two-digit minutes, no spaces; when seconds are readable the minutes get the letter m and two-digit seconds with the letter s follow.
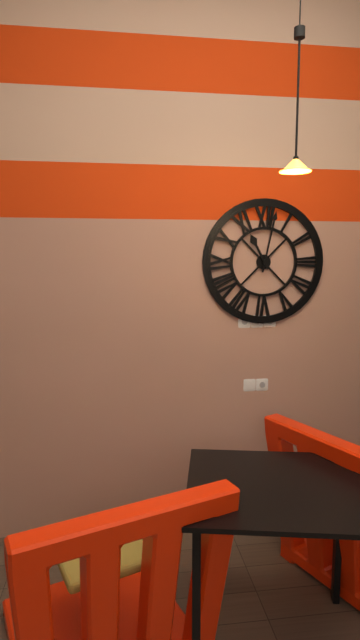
11h02
